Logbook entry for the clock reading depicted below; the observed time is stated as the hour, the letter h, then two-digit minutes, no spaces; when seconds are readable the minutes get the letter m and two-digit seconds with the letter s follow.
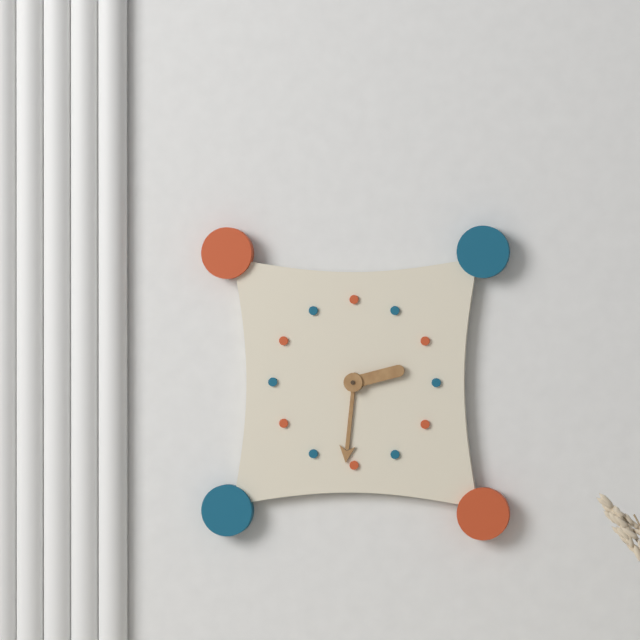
2h31
